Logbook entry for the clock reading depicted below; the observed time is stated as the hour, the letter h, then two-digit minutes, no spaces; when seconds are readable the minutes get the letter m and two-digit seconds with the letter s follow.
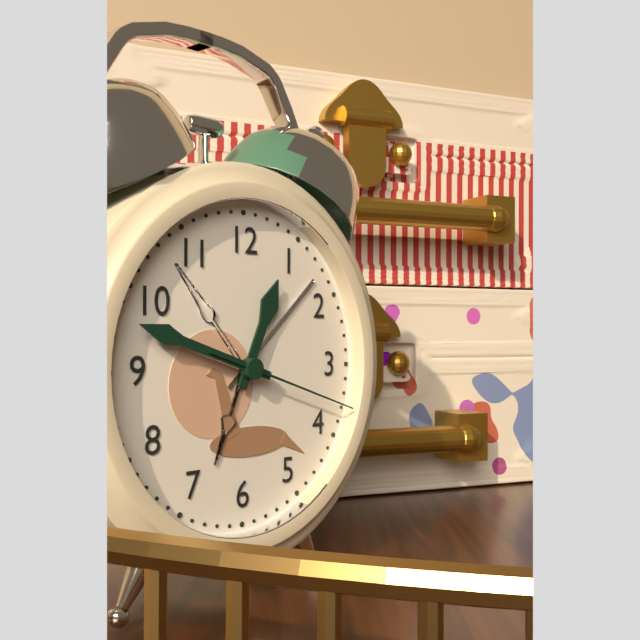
12h48m18s
